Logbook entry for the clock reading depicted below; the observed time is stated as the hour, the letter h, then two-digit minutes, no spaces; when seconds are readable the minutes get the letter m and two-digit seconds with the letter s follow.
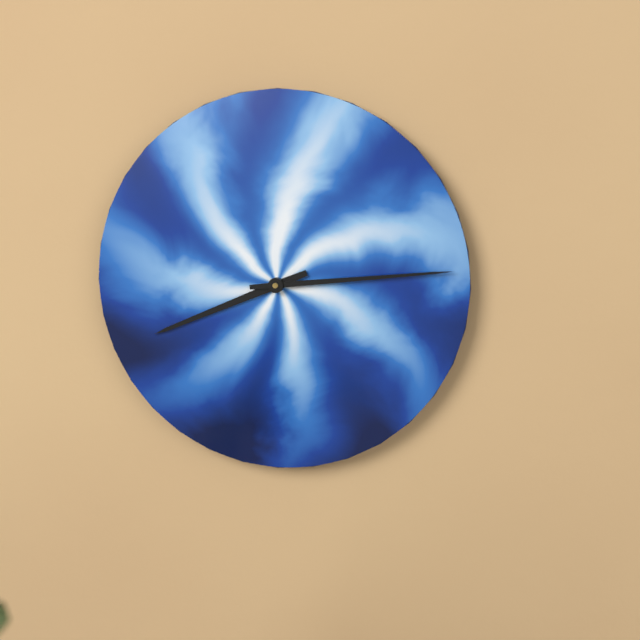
8h14
